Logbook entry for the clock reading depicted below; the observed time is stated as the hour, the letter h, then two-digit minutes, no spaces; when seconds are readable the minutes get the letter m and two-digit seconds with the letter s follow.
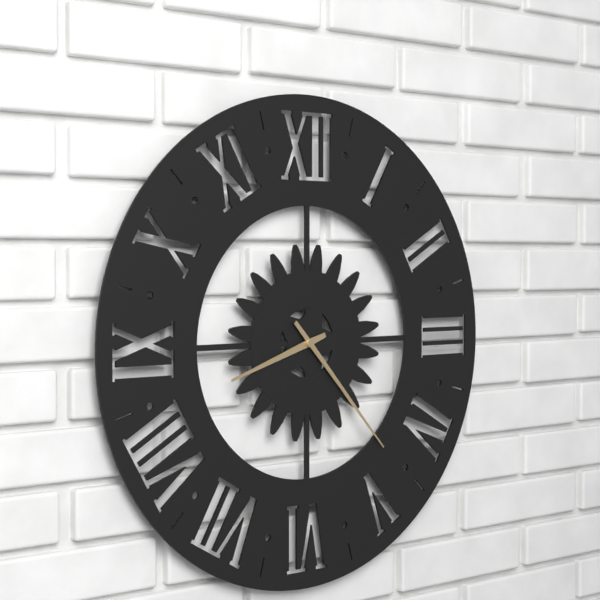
8h23
